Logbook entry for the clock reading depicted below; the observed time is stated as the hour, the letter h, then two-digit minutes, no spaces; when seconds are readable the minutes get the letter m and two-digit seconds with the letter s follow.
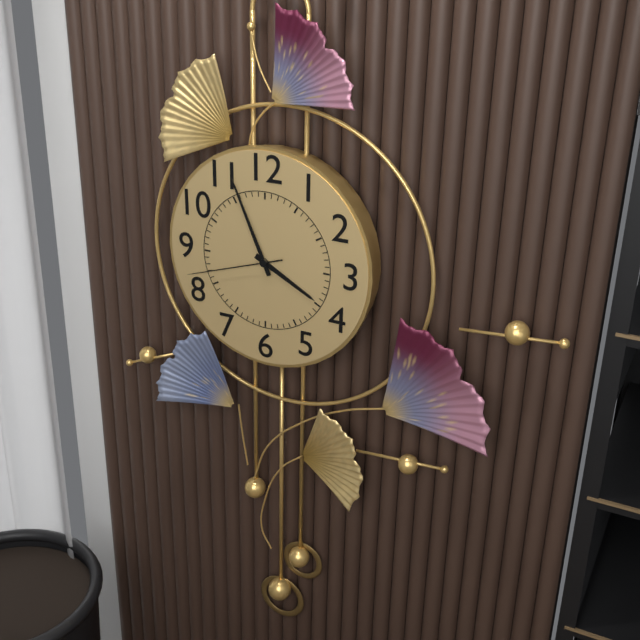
3h56m42s
